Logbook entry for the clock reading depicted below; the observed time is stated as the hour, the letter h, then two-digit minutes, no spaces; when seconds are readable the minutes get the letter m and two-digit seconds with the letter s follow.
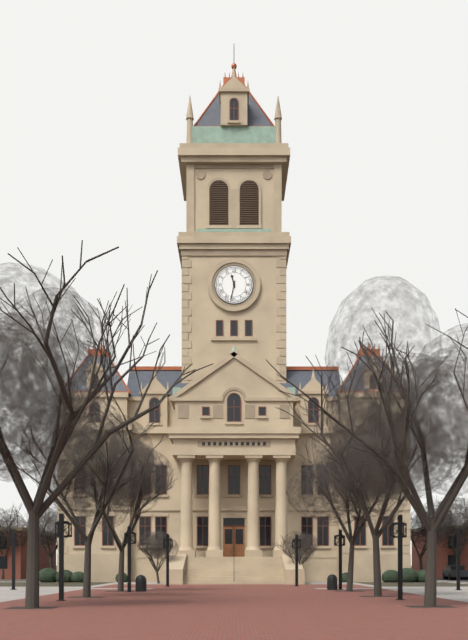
11h32
